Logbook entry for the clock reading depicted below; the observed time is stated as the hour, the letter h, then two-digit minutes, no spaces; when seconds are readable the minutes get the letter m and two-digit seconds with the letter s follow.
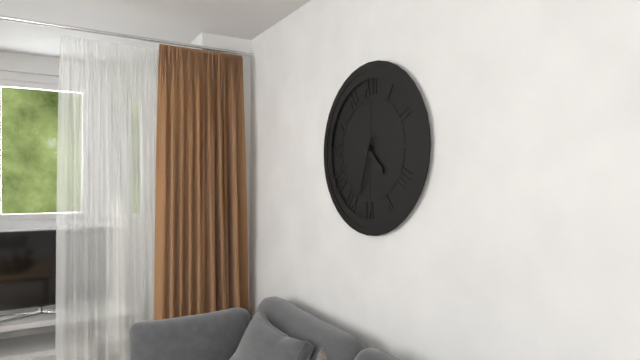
4h33
